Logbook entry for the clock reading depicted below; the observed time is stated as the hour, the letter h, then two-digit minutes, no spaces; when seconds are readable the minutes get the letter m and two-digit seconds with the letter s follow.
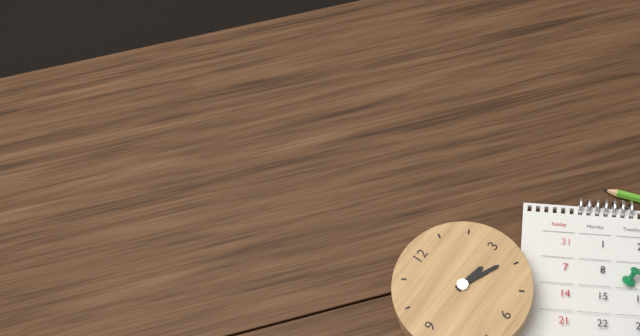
3h19
